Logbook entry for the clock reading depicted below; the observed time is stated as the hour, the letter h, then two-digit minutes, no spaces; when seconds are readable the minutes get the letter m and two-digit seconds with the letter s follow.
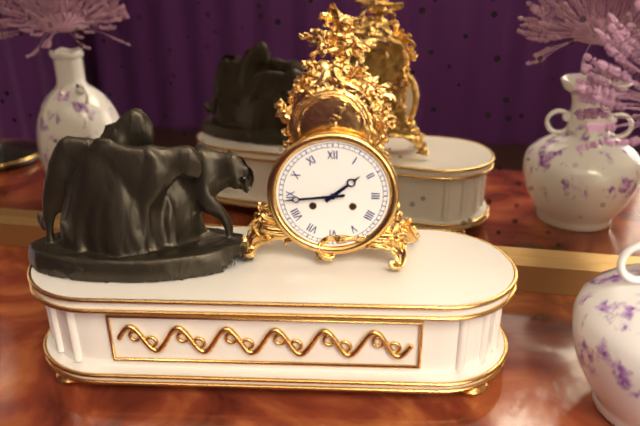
1h44
